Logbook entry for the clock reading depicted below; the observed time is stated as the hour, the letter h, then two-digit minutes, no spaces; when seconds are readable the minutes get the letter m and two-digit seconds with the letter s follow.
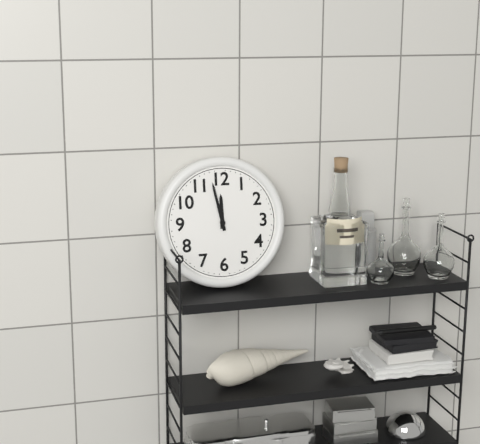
11h58
